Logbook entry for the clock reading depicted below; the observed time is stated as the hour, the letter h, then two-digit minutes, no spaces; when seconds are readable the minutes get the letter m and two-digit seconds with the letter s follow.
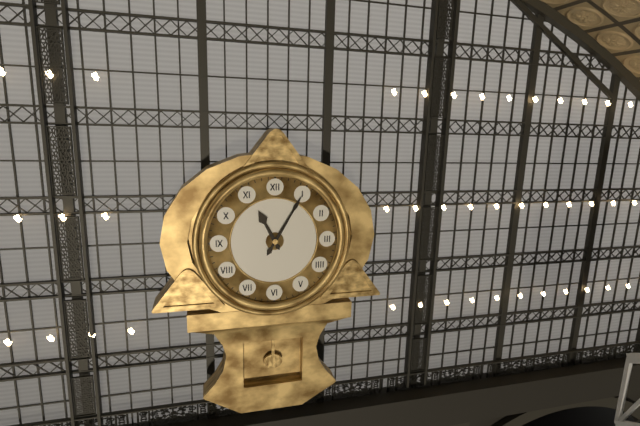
11h05
